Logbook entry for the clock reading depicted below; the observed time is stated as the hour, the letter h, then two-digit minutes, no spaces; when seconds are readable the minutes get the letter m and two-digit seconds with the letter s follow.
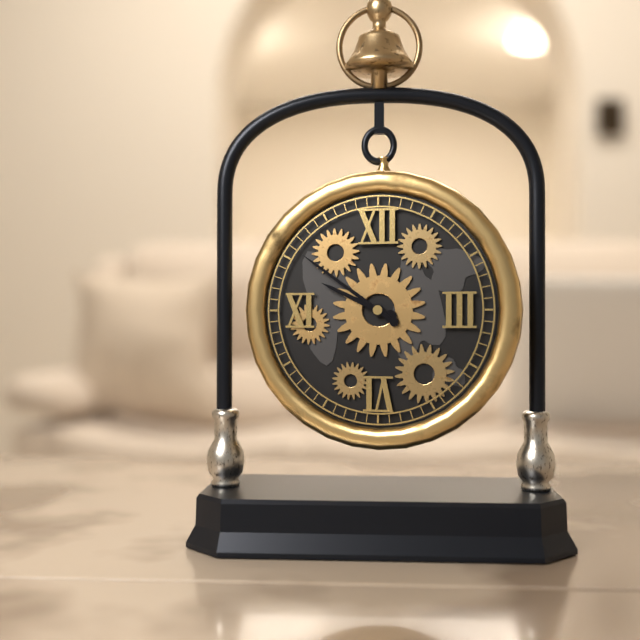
9h51
